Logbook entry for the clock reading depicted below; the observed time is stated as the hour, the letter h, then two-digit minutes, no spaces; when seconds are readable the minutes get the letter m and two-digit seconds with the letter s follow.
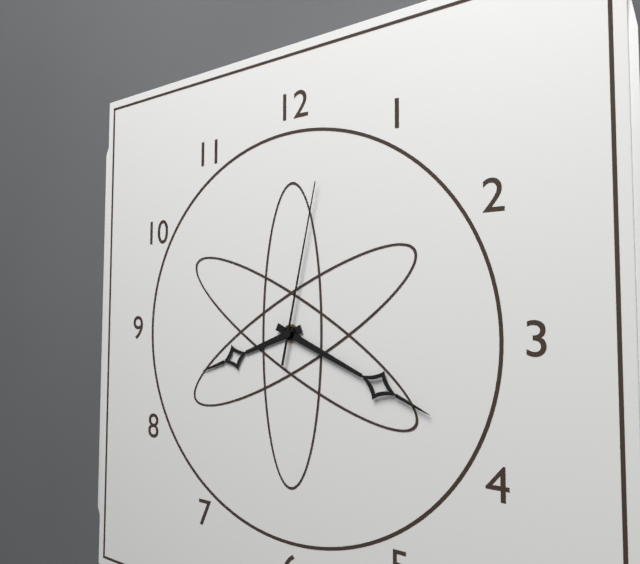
8h19m02s
